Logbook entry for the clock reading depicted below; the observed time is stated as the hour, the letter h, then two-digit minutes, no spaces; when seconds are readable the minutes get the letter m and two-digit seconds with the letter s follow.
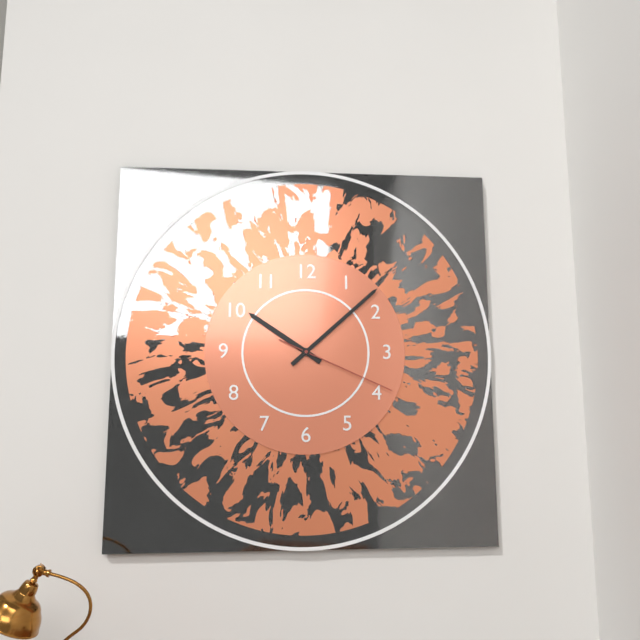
10h08m19s
